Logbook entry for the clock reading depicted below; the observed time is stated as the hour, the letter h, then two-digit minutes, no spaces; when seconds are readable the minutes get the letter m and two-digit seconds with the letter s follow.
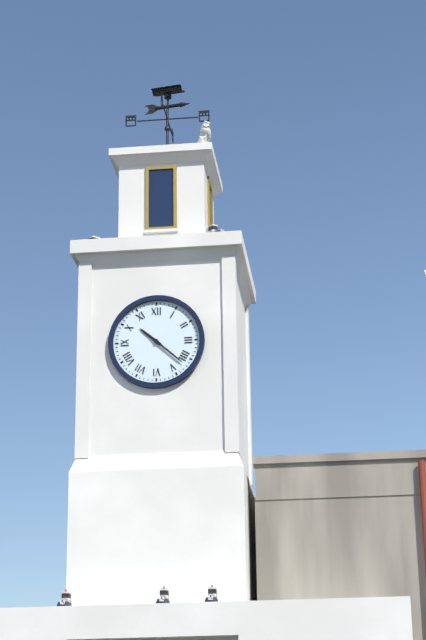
10h22
